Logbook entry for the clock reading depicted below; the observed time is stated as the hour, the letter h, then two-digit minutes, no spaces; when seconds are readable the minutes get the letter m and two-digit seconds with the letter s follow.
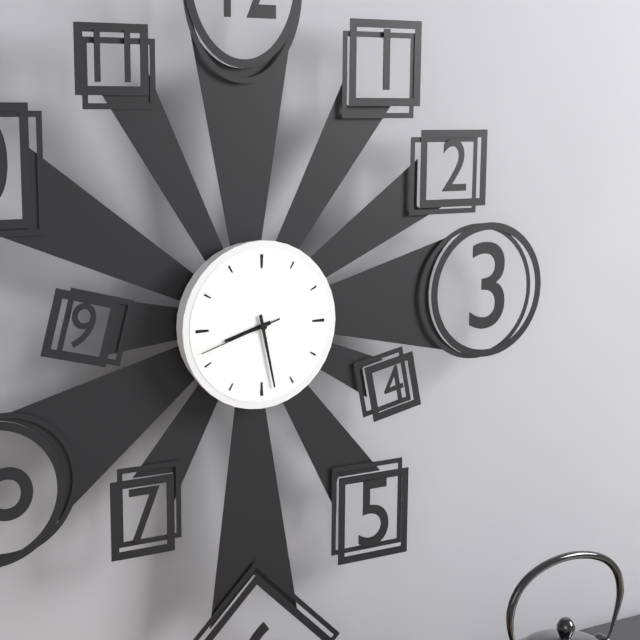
8h28m42s
